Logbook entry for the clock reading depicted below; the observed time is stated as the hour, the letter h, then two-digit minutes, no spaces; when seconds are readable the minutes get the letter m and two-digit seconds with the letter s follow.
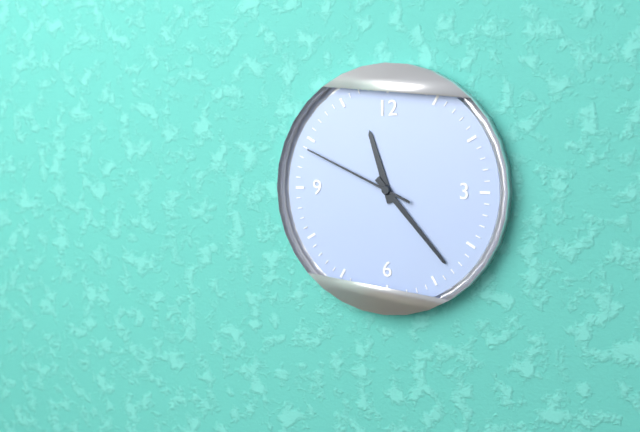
11h23m49s
